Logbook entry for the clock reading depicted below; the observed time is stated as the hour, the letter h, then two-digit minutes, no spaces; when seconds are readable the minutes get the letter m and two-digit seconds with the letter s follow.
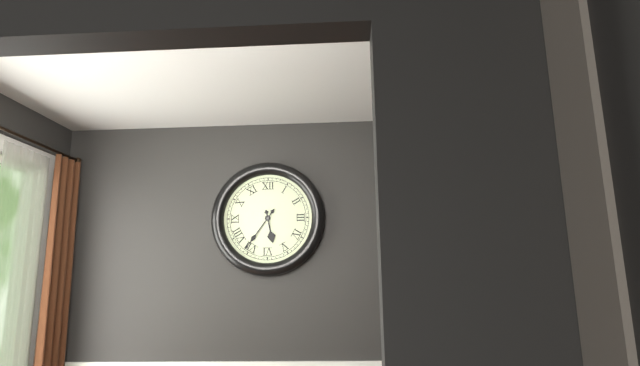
5h36
